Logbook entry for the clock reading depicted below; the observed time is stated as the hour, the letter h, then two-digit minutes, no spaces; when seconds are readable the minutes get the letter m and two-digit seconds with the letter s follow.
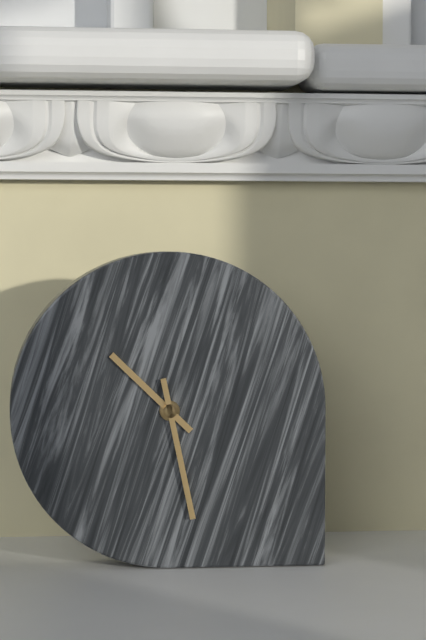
10h28
